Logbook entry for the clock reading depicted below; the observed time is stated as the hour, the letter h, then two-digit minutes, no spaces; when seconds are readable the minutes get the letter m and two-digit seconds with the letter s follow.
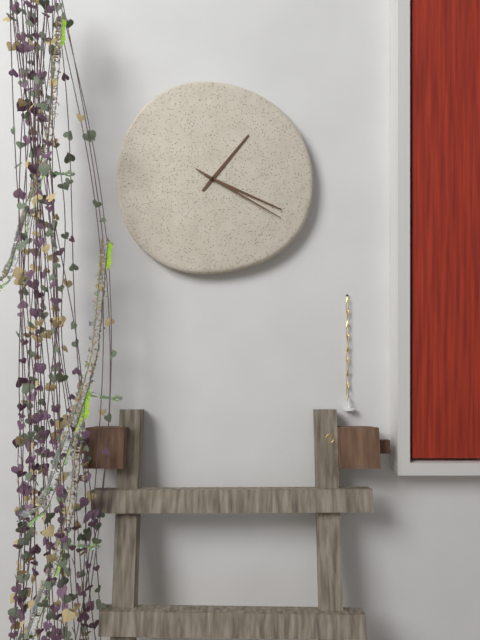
1h19m20s
